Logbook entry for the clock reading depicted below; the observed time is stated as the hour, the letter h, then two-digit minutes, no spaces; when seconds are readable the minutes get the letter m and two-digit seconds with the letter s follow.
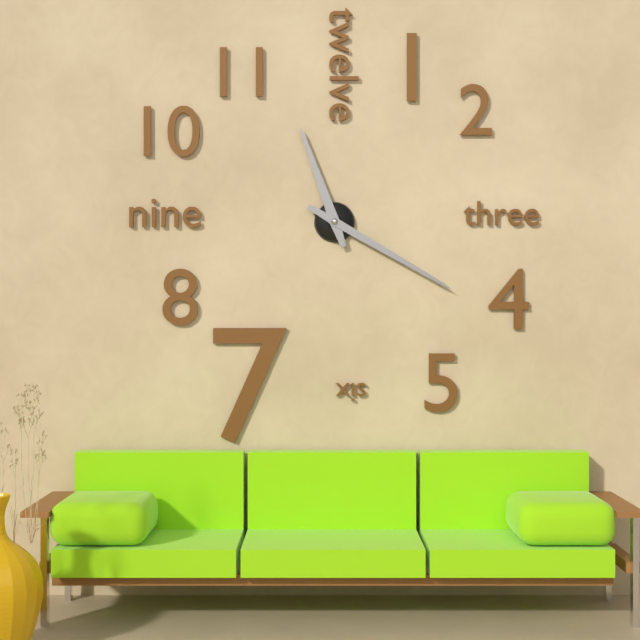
11h20
